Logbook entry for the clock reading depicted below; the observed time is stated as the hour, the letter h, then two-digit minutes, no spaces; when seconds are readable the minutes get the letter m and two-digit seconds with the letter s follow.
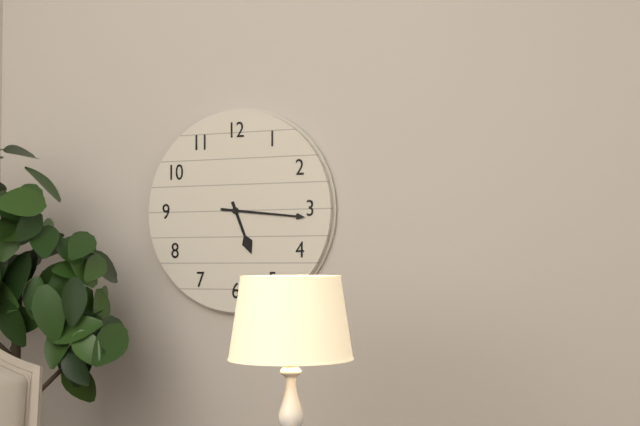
5h16
